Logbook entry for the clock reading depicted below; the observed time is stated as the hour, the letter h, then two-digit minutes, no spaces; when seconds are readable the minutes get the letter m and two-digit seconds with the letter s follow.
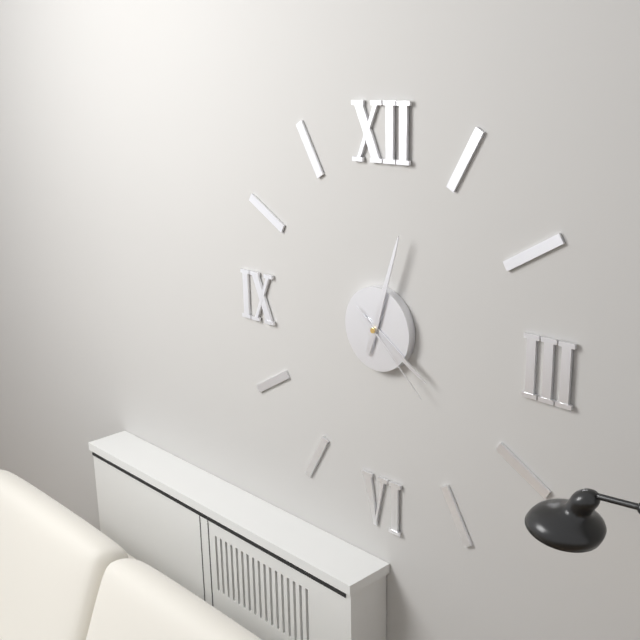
4h03m22s
